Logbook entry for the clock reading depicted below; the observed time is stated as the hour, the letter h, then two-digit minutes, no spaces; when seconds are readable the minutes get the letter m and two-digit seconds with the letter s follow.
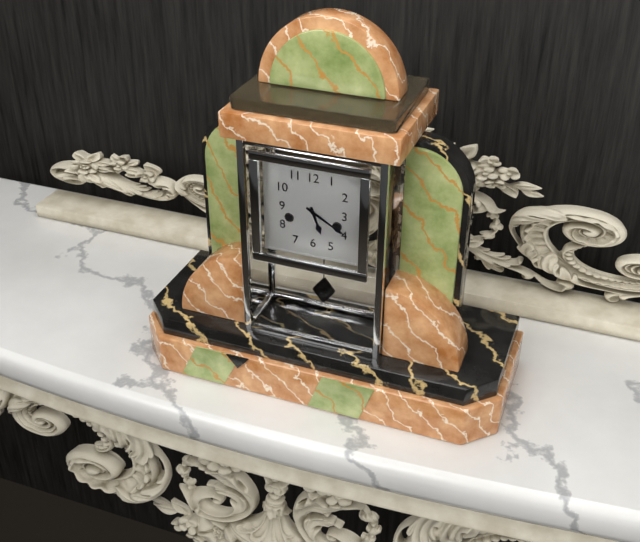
5h20
